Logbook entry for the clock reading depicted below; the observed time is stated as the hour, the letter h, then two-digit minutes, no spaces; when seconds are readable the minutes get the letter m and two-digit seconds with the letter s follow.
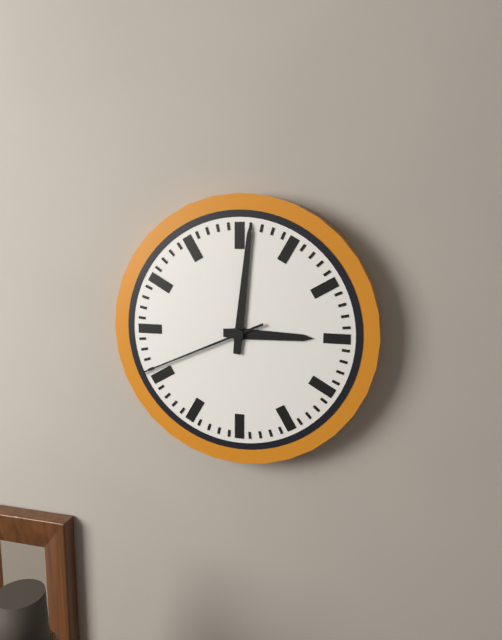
3h01m41s
